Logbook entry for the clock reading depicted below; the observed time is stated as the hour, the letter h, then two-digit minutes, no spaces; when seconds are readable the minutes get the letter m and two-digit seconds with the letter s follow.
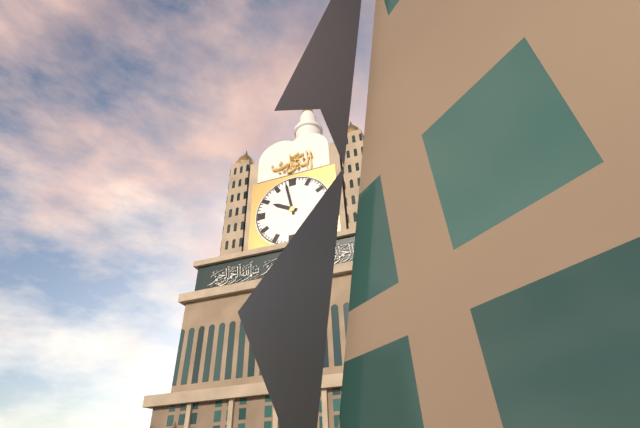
9h58
